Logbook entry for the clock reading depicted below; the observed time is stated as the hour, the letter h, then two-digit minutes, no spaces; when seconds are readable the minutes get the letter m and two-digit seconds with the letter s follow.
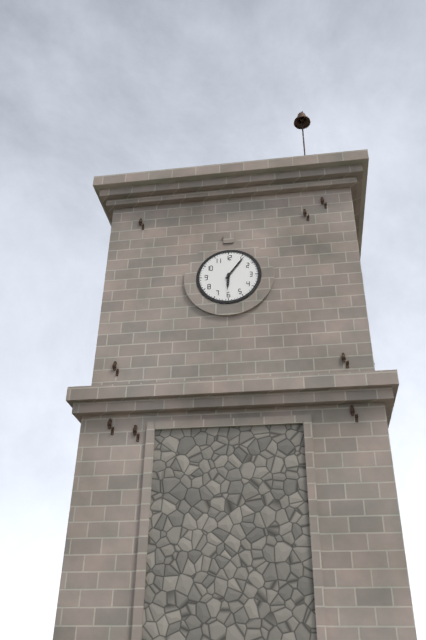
6h06
